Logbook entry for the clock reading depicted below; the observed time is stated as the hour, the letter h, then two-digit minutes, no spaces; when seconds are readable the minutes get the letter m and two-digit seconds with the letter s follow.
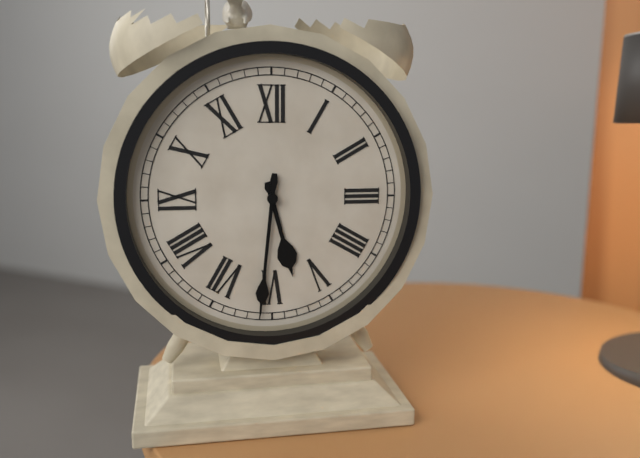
5h31
